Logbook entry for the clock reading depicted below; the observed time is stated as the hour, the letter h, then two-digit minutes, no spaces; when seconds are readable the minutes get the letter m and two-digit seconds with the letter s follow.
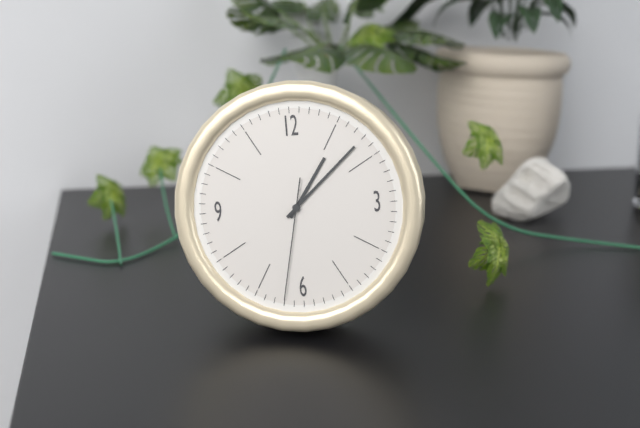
1h08m32s
